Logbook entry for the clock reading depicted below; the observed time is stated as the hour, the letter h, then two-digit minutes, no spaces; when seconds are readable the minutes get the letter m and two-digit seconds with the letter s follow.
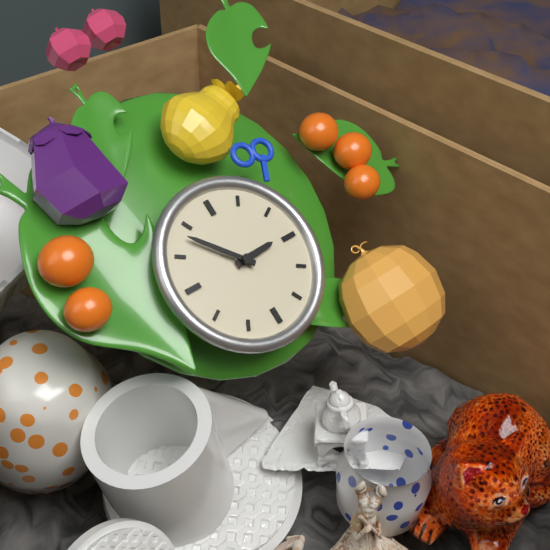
2h53
